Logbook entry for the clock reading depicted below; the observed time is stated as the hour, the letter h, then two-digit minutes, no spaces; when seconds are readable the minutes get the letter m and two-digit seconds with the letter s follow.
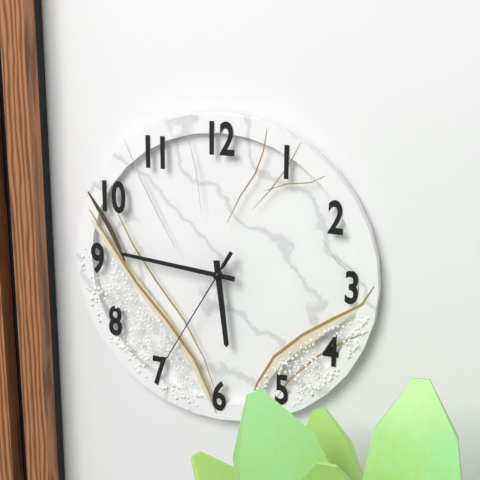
5h46m35s
